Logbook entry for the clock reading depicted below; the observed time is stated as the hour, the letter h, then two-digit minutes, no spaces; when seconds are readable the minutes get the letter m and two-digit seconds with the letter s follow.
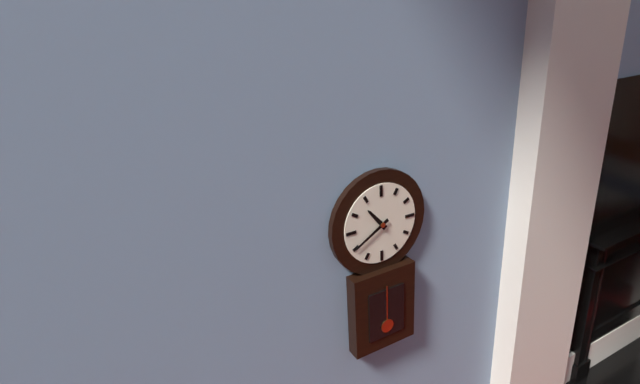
10h40
